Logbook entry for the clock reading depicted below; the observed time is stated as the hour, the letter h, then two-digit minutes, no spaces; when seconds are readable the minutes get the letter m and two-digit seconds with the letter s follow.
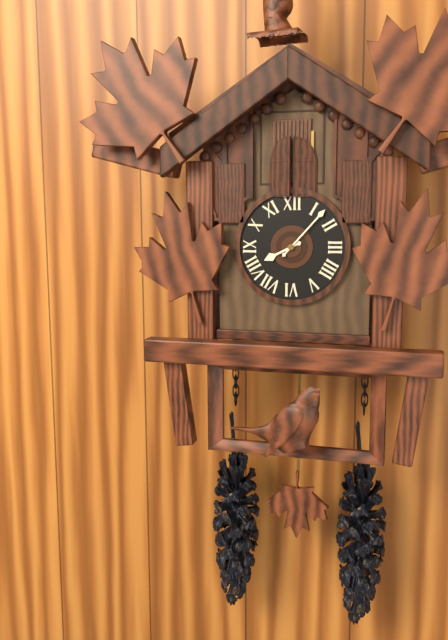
8h07
